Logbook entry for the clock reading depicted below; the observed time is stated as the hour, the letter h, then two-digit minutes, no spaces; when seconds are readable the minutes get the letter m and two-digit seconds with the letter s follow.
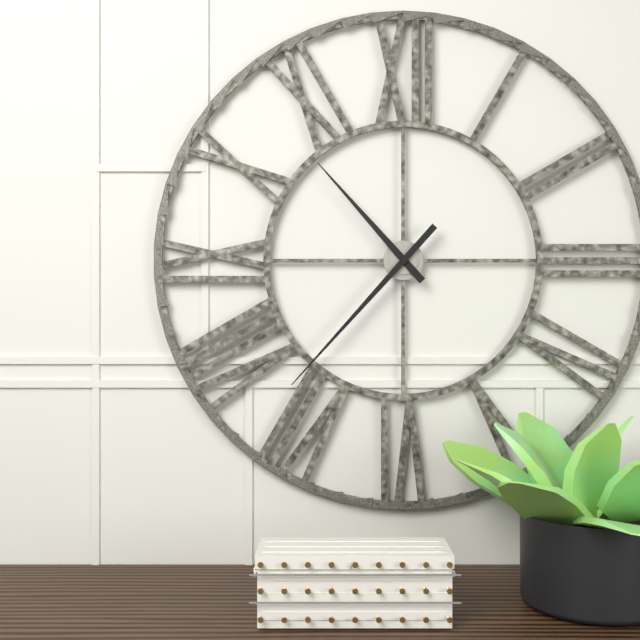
10h37
